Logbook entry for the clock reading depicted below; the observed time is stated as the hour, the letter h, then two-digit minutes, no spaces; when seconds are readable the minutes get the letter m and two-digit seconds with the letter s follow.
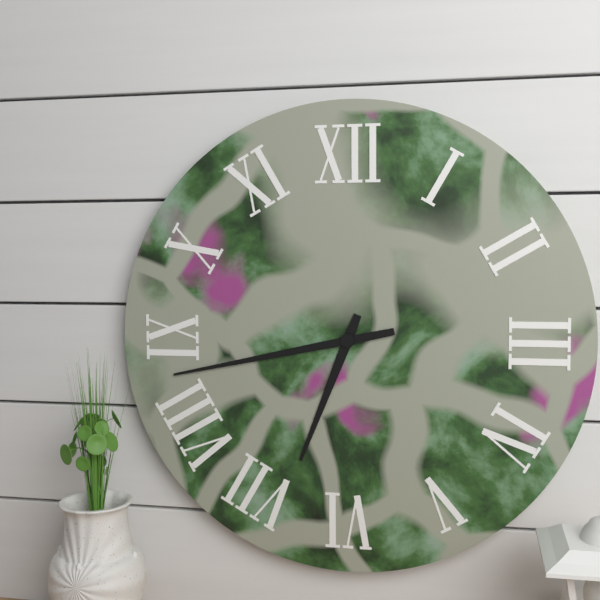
6h43
